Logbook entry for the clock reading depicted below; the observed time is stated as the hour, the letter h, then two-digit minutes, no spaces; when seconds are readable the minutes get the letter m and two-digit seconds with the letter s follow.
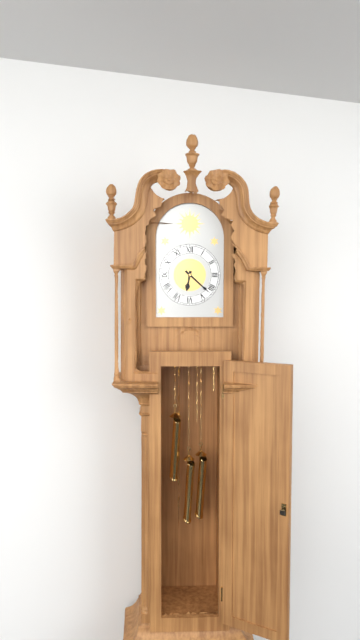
6h22
